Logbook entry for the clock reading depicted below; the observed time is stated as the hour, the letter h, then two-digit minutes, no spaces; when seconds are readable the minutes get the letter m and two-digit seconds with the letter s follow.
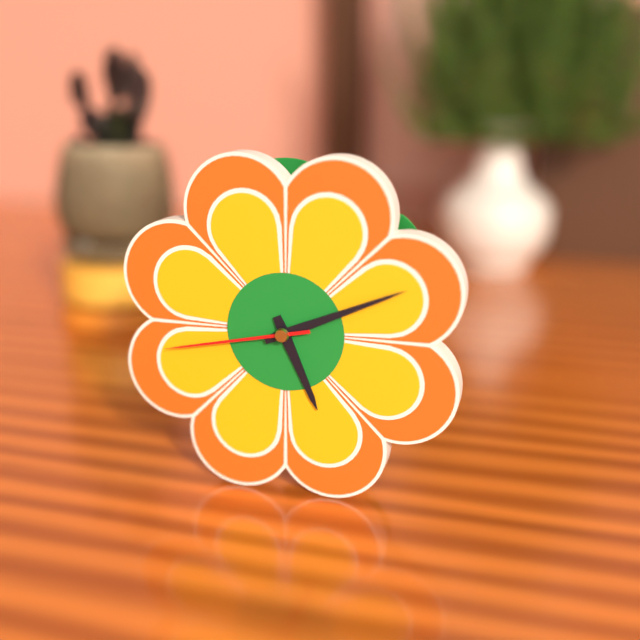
5h11m43s
